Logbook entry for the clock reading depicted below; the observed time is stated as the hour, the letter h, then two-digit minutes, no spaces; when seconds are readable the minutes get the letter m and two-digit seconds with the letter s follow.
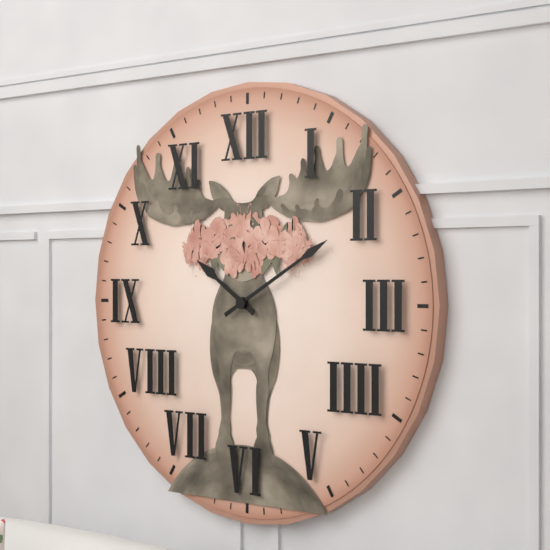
10h10
